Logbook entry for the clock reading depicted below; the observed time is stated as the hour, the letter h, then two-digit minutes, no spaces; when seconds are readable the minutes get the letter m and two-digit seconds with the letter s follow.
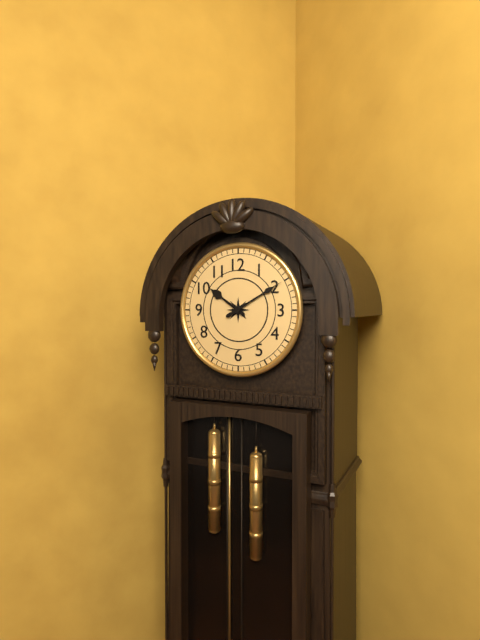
10h10
